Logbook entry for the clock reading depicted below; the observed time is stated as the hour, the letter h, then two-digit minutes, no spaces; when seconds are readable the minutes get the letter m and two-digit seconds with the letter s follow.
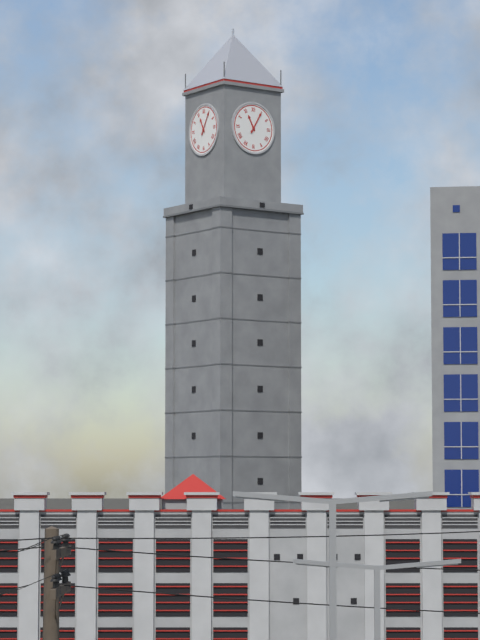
11h05
